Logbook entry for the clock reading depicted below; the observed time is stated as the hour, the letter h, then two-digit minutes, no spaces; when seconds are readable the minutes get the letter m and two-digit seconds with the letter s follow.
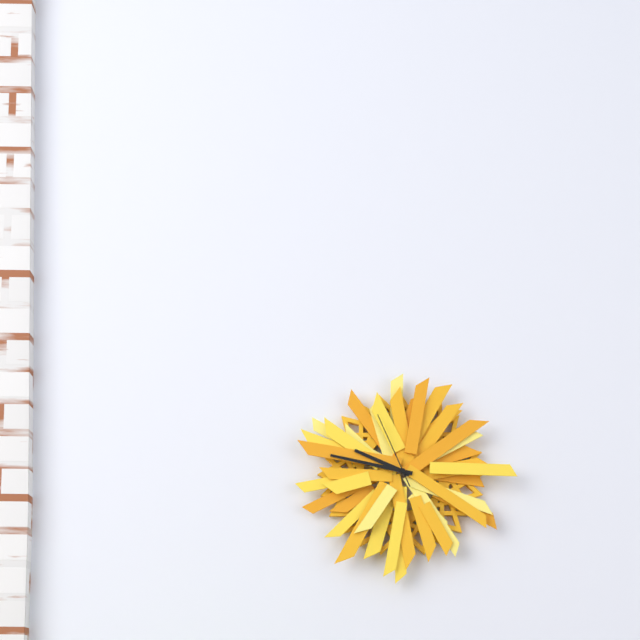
9h47m56s
